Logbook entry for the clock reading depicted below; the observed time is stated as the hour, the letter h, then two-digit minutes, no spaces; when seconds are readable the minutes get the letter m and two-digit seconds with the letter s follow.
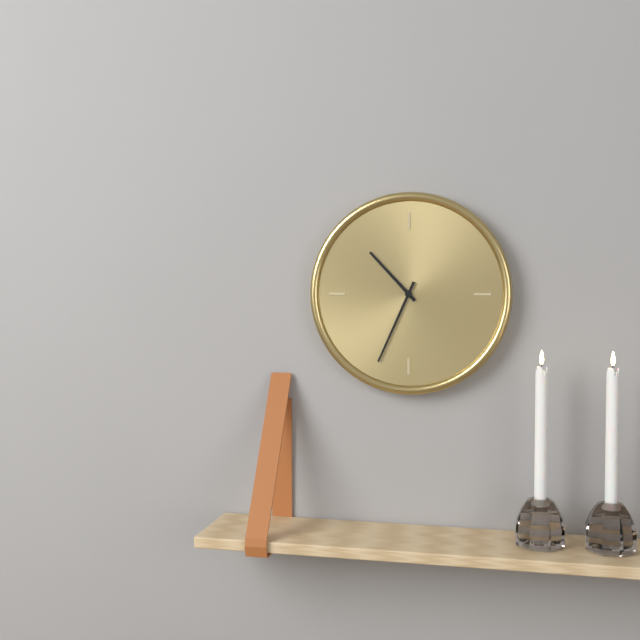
10h34
